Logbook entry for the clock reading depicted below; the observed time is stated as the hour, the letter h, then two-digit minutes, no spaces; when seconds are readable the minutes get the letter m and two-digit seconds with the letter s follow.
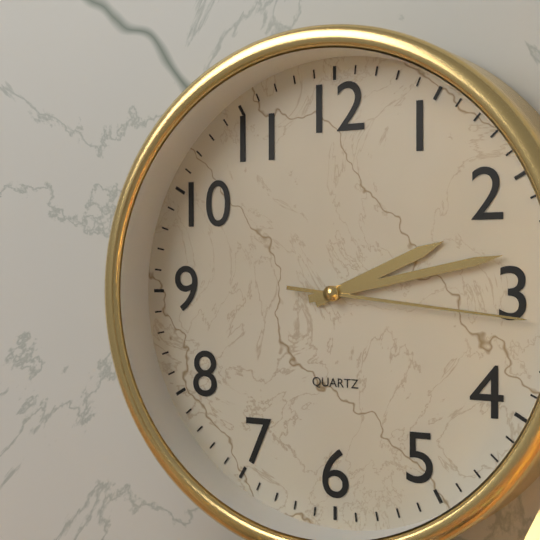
2h13m16s
